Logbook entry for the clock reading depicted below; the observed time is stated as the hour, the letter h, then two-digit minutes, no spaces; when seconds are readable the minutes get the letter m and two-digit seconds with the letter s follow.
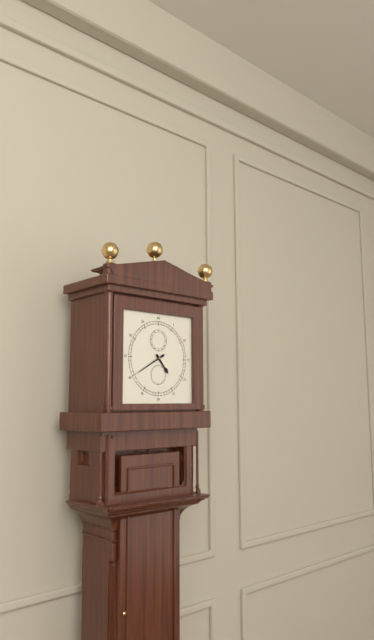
4h40
